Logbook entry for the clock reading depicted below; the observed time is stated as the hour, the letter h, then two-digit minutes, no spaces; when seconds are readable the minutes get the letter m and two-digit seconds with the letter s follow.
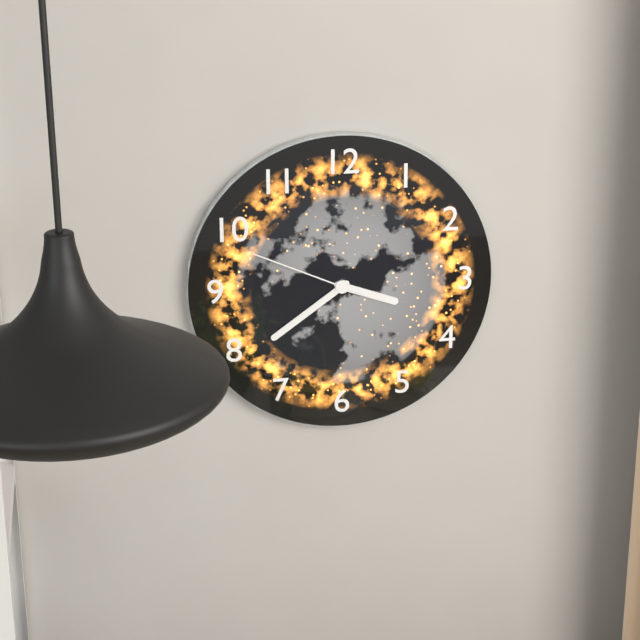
3h39m49s
